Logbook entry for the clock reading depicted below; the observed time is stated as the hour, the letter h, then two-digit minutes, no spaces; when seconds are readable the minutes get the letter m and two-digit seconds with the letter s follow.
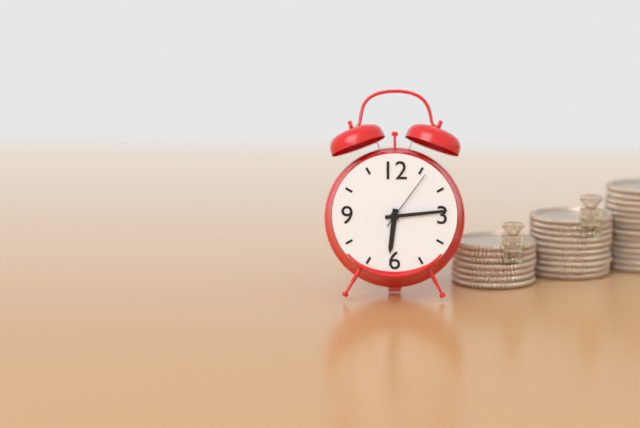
6h14m06s
